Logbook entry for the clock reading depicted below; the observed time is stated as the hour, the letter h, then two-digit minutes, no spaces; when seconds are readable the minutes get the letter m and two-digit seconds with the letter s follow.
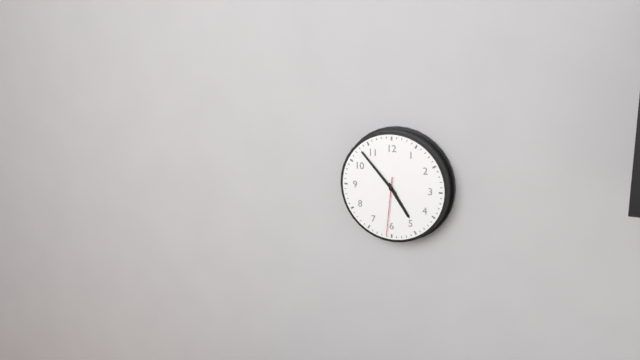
4h53m31s
